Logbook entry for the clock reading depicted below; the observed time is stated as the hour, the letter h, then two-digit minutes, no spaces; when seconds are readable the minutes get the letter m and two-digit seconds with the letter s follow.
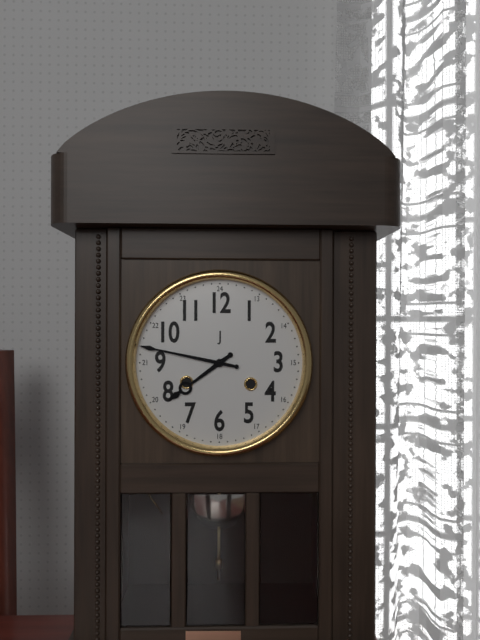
7h47
